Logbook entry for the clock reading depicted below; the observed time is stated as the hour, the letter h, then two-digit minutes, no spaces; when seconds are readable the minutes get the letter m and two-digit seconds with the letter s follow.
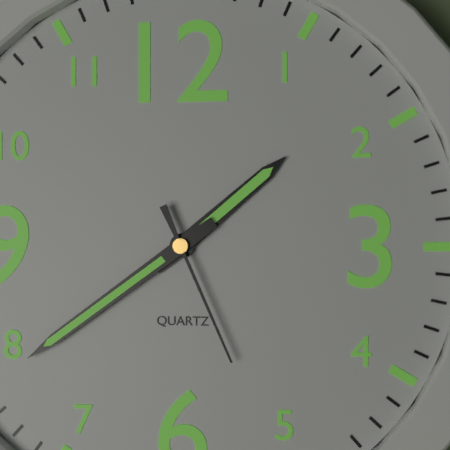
1h39m26s
